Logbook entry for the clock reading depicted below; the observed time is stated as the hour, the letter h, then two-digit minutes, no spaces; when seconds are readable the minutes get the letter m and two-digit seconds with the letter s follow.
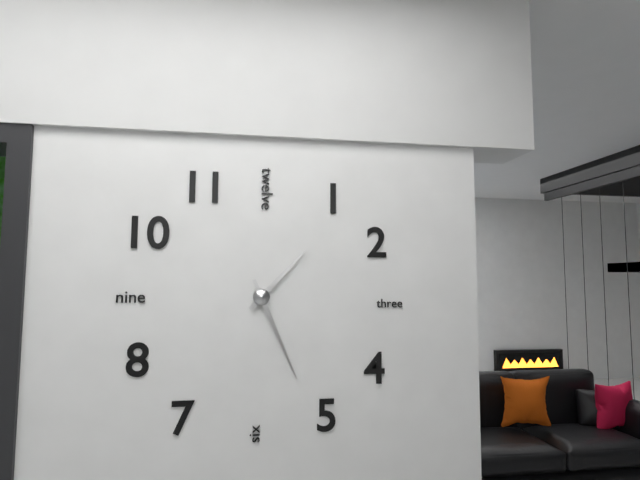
1h26
